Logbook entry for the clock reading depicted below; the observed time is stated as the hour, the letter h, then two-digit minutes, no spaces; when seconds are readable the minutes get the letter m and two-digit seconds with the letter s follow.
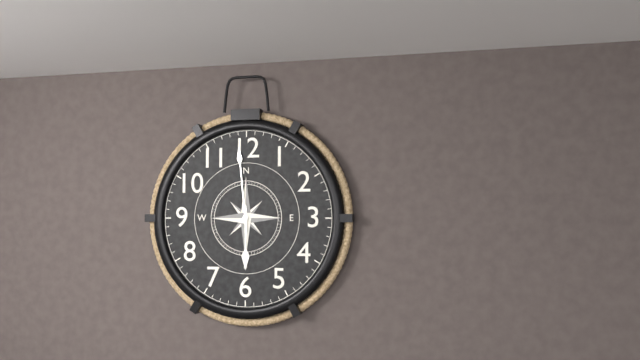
5h59
